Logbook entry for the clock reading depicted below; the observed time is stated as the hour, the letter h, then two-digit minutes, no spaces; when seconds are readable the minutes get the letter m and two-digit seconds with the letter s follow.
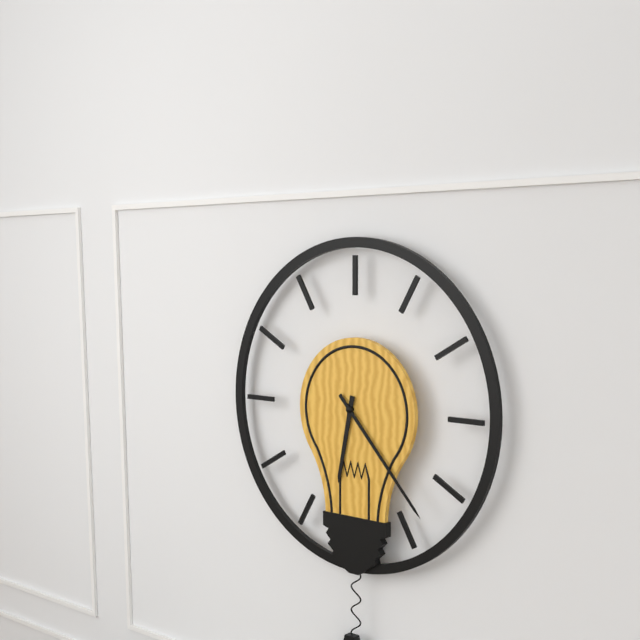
6h23
